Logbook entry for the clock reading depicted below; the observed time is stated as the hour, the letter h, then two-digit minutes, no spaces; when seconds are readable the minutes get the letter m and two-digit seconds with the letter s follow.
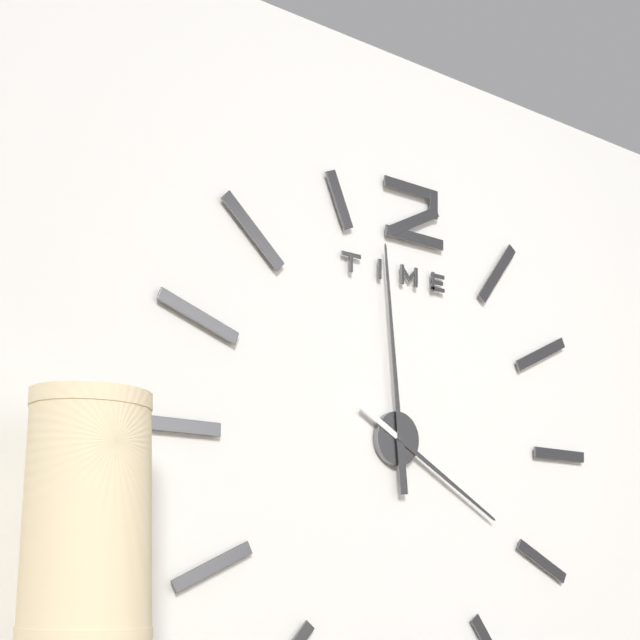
3h59
